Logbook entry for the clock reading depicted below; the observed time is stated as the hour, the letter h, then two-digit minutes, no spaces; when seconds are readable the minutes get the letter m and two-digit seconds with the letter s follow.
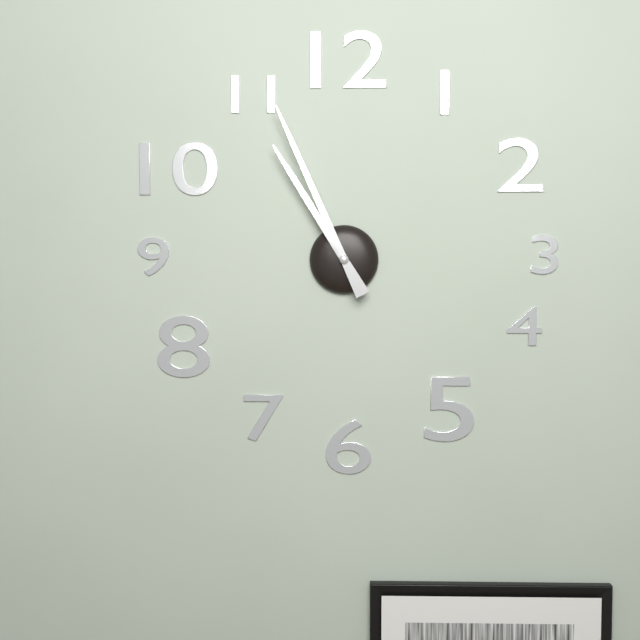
10h56
